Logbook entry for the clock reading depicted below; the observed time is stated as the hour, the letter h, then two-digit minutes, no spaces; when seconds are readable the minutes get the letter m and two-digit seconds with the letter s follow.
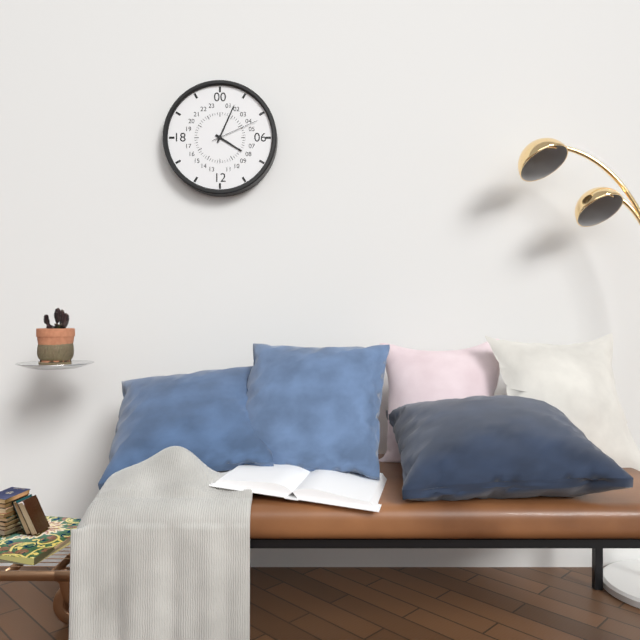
4h04m11s
